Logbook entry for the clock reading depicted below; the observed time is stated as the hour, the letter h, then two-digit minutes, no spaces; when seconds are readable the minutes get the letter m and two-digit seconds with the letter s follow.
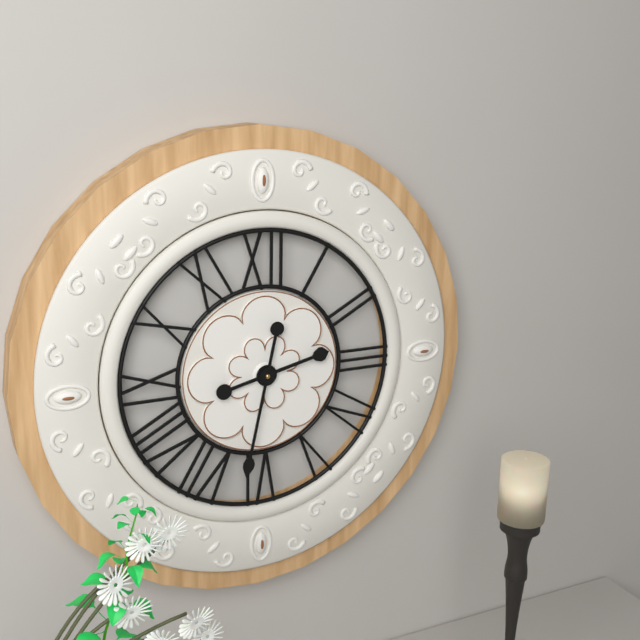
2h32
